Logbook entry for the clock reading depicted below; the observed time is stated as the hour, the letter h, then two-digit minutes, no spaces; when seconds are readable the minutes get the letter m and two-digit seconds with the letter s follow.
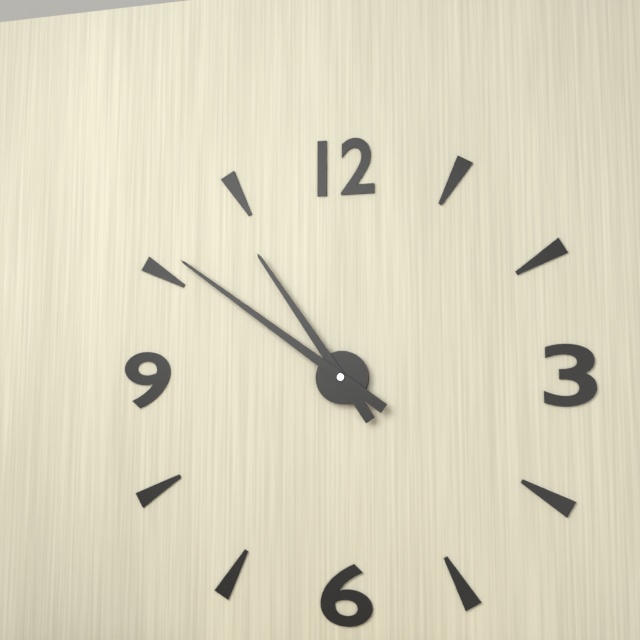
10h51
